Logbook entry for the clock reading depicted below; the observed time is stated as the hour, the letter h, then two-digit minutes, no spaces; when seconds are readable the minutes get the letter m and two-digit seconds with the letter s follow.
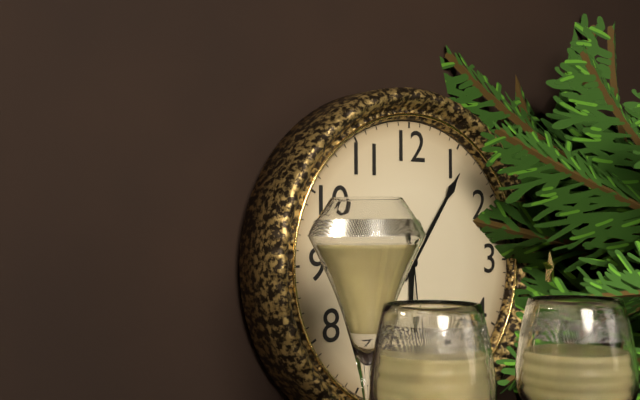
6h06
